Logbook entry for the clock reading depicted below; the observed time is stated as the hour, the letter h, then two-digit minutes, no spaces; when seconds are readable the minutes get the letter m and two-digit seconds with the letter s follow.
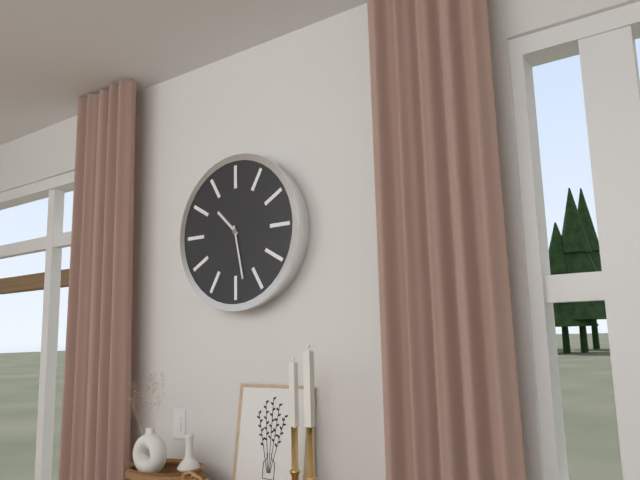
10h28
